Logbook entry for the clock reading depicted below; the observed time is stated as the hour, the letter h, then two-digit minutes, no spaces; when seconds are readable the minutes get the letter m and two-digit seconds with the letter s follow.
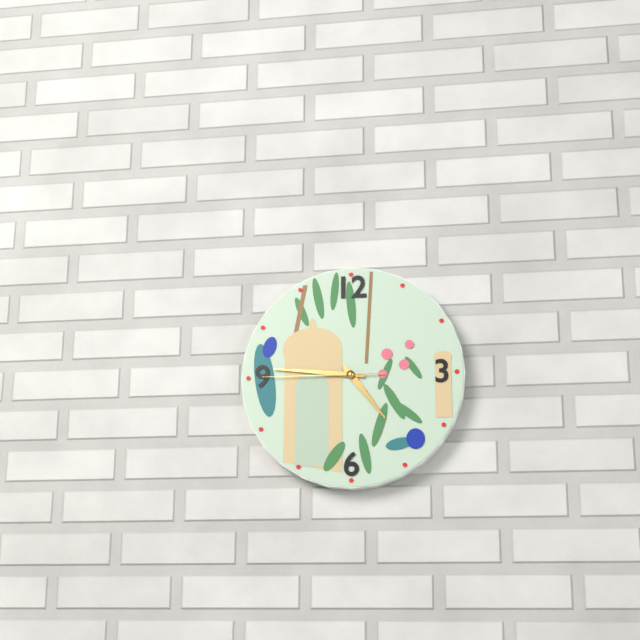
4h46m45s
